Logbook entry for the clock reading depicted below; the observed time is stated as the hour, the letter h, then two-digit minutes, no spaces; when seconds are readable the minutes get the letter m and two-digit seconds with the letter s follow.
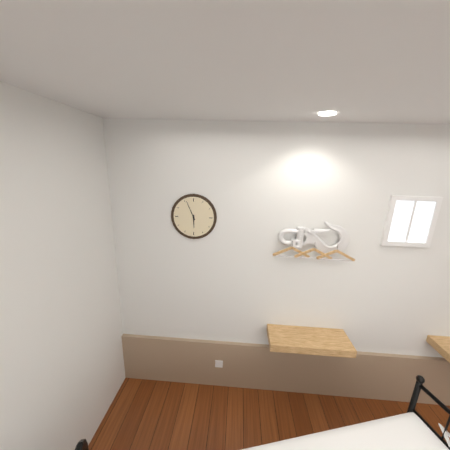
5h56
